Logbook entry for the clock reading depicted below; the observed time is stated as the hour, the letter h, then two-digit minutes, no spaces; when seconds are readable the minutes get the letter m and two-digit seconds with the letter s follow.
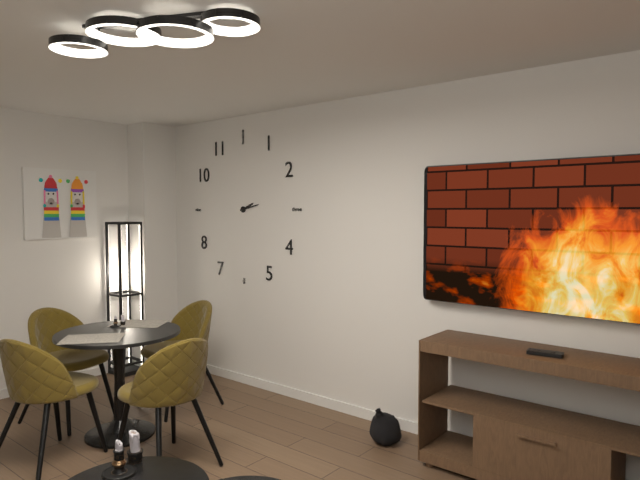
2h13
